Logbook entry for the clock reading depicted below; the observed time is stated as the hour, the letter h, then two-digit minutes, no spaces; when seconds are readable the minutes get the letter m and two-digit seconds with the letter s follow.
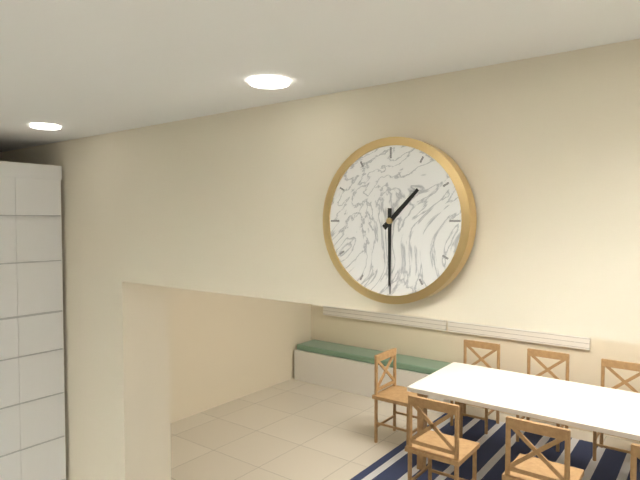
1h30
